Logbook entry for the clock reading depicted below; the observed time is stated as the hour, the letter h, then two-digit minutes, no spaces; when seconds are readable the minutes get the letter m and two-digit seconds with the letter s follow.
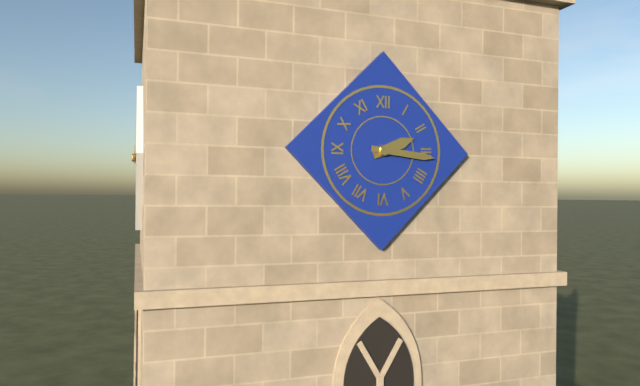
2h16
